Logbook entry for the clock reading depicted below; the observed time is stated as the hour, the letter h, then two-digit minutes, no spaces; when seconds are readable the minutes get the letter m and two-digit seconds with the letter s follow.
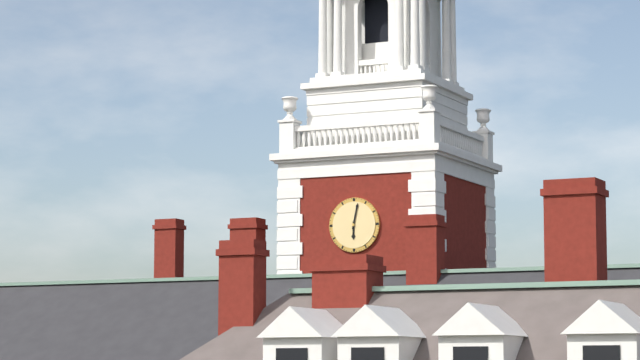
6h02
